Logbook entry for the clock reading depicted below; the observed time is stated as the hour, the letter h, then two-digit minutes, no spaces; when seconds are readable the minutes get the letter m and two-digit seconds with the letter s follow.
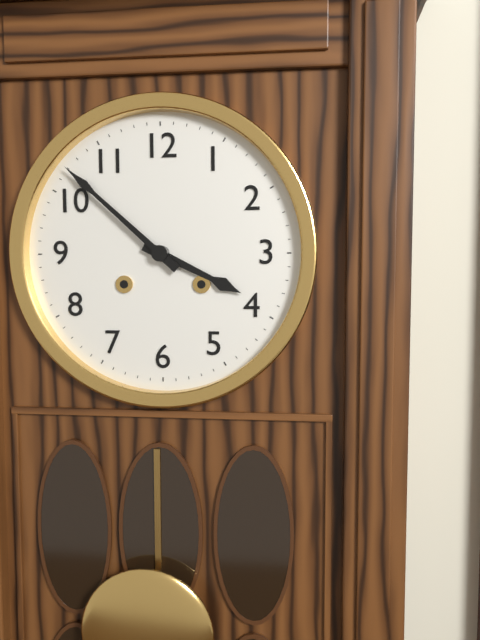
3h52
